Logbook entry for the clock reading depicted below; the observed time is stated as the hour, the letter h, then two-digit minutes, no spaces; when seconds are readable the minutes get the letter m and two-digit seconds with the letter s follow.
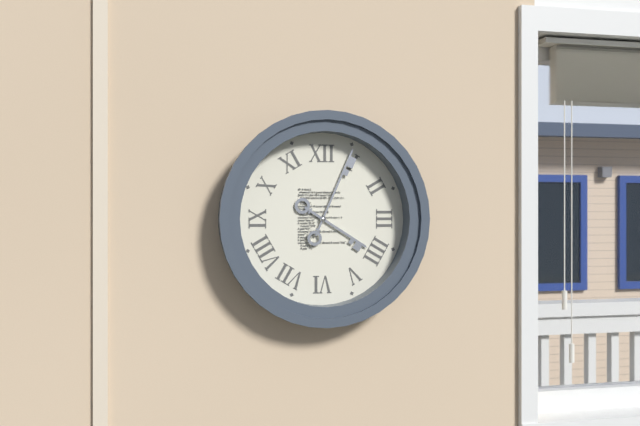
4h04
